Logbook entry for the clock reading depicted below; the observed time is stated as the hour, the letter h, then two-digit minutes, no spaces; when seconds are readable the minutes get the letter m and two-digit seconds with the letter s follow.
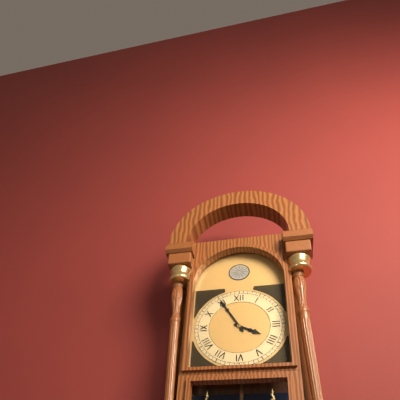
3h55
